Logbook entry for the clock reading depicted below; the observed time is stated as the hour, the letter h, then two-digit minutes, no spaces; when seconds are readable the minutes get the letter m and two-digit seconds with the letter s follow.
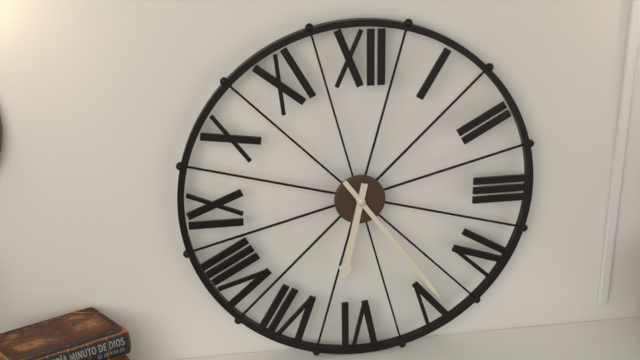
6h24
